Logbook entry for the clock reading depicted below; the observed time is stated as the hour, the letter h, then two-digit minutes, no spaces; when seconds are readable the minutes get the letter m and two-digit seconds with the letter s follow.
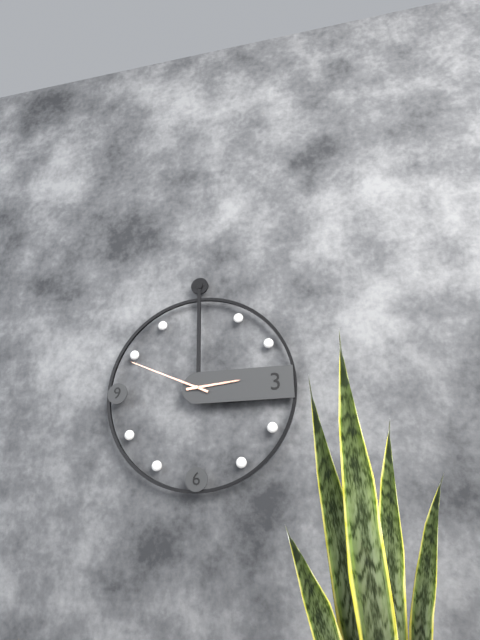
2h49
